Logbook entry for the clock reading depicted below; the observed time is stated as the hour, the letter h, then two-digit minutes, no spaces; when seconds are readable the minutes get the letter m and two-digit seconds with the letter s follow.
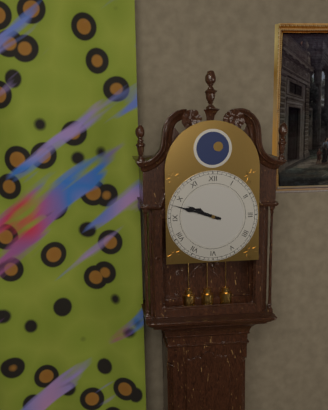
9h48
